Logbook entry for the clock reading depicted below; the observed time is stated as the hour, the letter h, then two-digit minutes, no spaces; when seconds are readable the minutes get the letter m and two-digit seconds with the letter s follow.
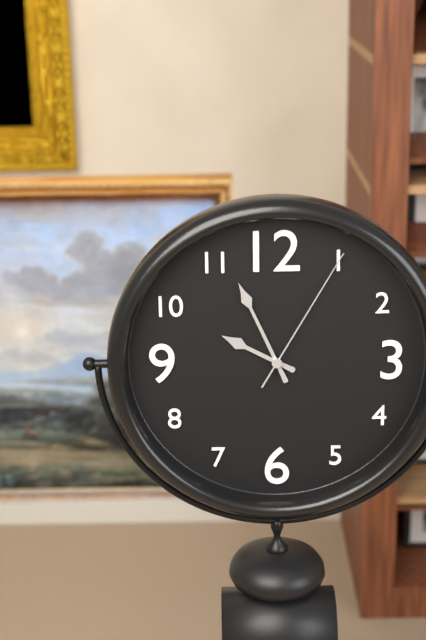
9h56m05s
